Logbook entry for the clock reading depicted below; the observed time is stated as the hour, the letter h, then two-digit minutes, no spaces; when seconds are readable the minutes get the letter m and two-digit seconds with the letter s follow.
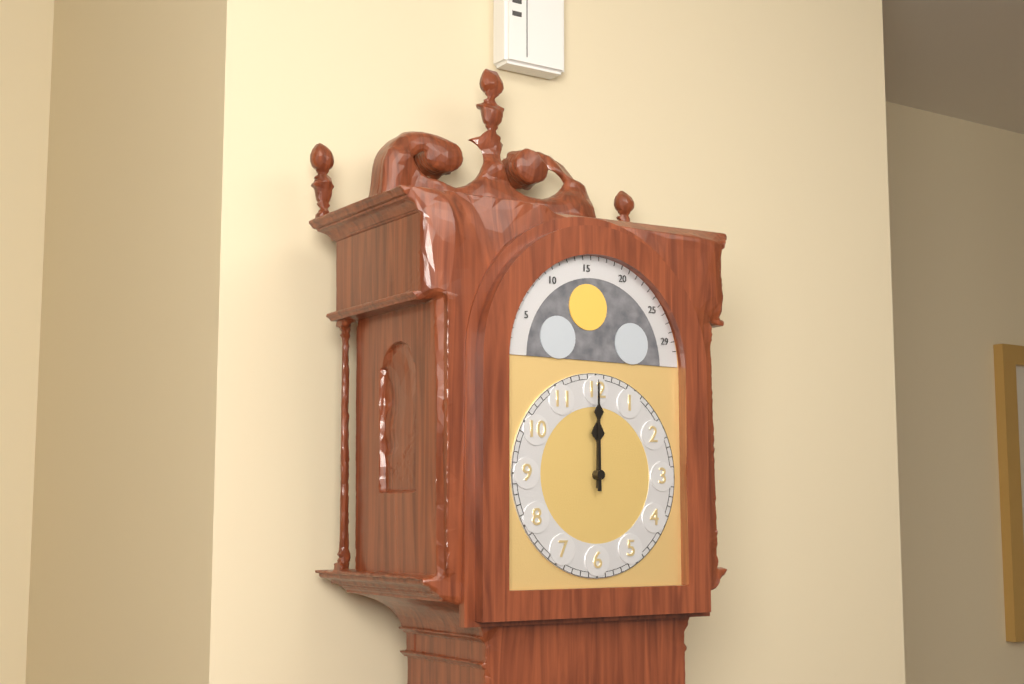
12h00
